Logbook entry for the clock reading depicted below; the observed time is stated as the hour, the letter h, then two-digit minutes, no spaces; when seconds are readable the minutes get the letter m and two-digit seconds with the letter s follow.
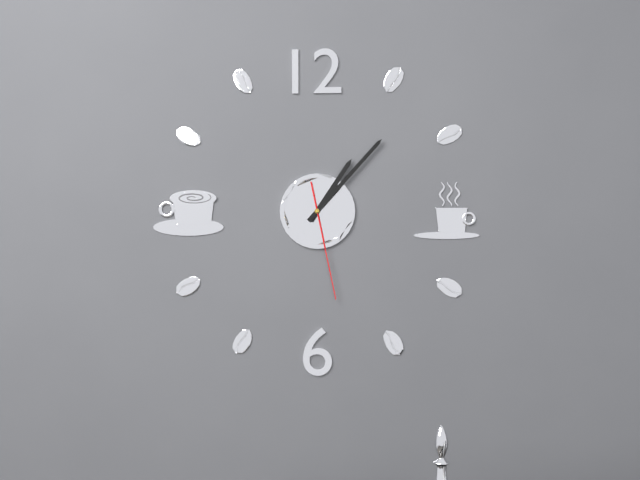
1h07m28s
